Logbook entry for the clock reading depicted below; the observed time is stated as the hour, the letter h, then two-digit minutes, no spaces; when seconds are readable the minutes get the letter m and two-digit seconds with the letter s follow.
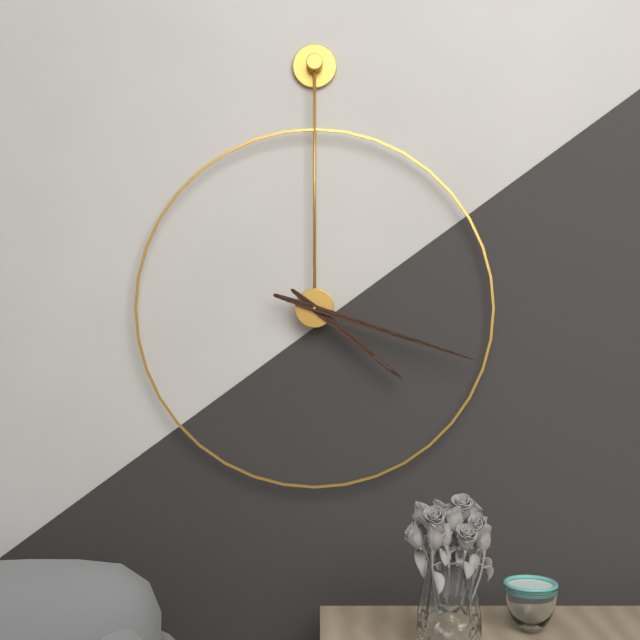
4h18
